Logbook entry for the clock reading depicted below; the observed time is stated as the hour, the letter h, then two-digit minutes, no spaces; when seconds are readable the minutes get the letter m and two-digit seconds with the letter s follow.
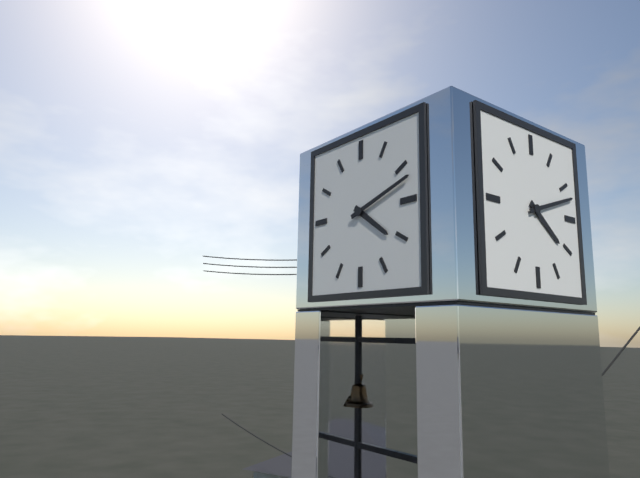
4h12
